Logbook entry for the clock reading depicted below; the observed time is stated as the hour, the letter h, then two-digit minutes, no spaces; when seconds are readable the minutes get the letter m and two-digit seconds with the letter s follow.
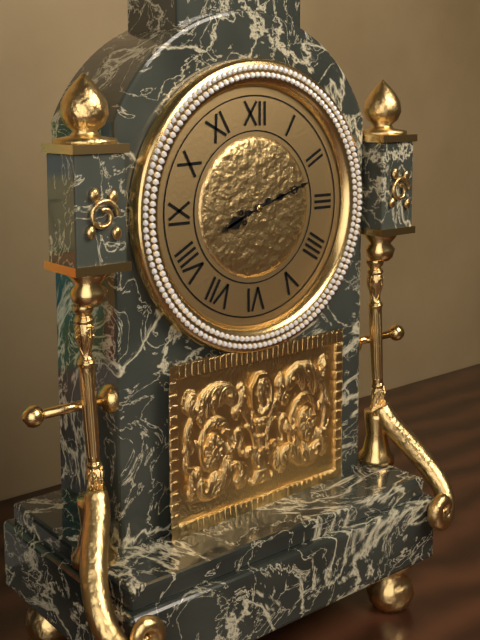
8h12
